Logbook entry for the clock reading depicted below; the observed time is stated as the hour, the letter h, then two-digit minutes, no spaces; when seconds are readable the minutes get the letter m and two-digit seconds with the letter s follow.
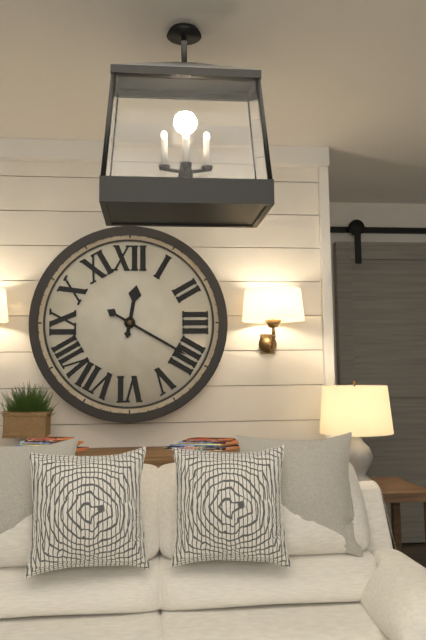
12h20
